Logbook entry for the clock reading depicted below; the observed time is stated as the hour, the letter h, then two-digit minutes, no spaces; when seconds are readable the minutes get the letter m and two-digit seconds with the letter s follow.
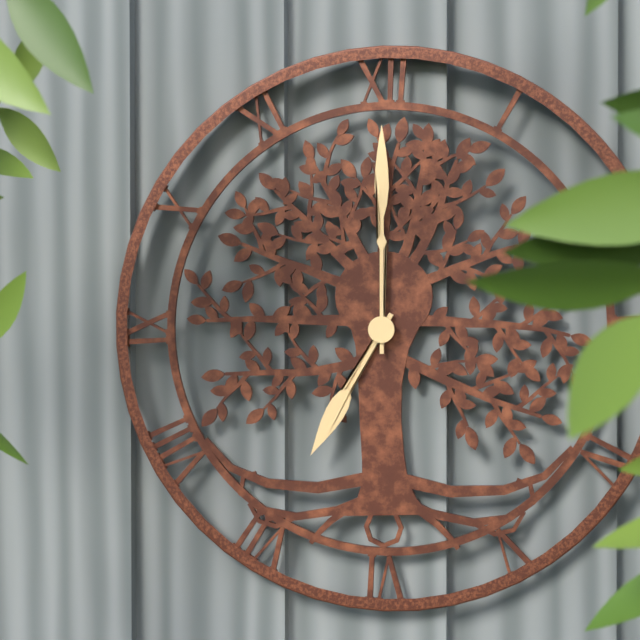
7h00
